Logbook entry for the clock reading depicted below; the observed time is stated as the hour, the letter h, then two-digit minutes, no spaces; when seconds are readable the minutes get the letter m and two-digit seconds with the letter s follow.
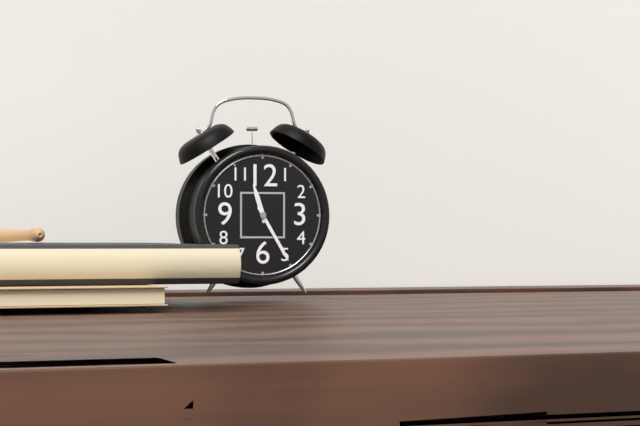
11h25
